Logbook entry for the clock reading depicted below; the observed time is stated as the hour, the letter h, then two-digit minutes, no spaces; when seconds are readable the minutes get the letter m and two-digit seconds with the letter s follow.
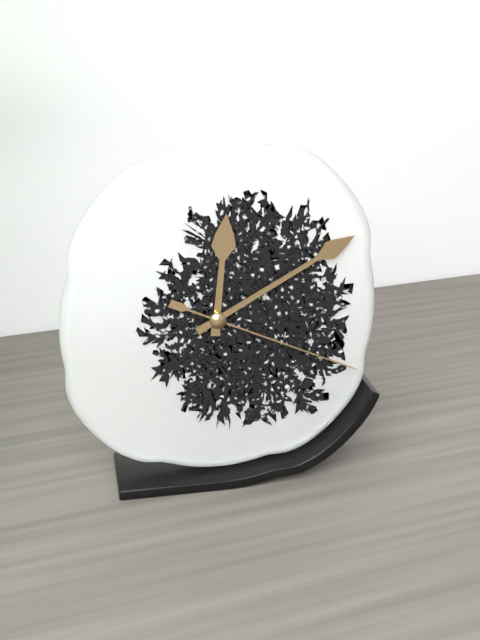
12h10m19s
